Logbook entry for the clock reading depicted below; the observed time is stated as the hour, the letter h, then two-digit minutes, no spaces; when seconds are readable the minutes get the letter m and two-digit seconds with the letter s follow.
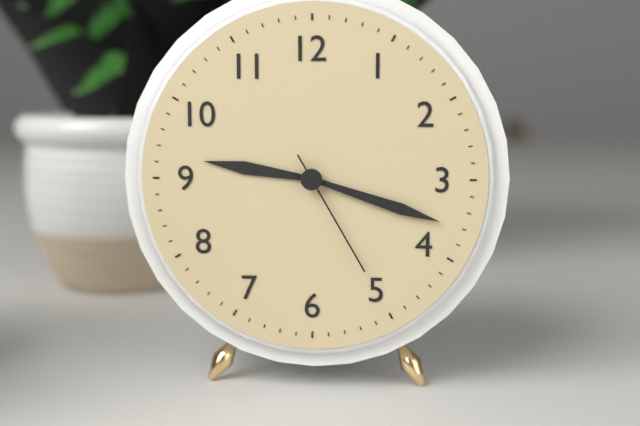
9h18m25s
